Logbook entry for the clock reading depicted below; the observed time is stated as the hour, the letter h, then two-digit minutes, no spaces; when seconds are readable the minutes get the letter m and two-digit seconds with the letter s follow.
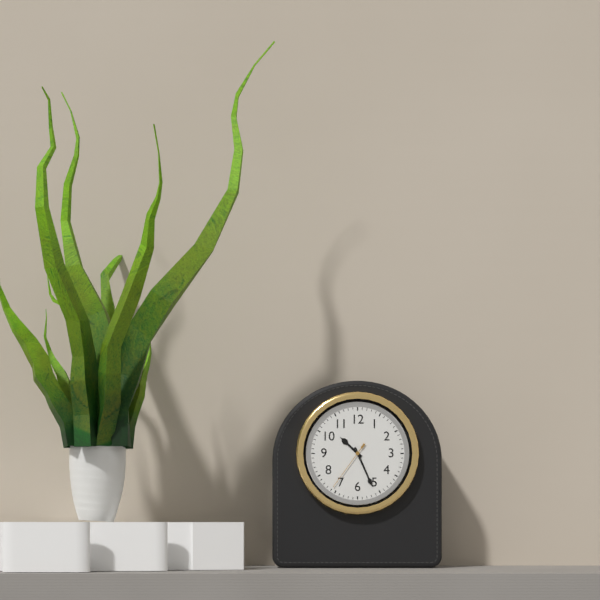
10h26m36s
